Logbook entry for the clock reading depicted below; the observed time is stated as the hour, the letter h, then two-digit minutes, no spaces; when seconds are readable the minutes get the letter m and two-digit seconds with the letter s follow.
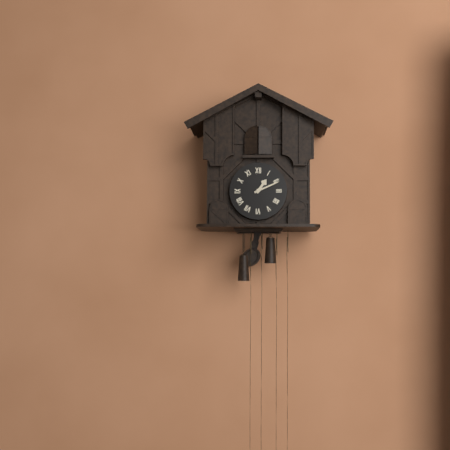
1h11
